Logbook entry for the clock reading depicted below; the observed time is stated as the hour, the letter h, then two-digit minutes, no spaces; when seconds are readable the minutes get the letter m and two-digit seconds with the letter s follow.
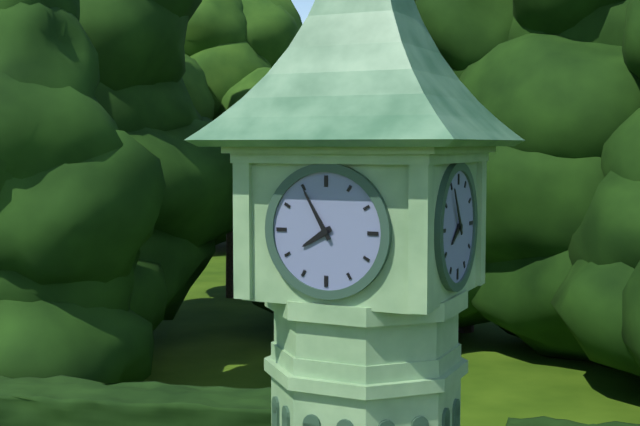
7h55
